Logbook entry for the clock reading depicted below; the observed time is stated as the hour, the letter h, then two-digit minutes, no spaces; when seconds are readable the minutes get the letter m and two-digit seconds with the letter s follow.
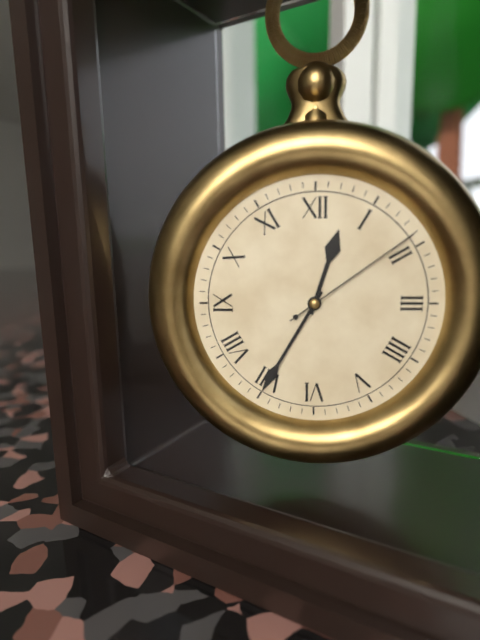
12h35m09s
